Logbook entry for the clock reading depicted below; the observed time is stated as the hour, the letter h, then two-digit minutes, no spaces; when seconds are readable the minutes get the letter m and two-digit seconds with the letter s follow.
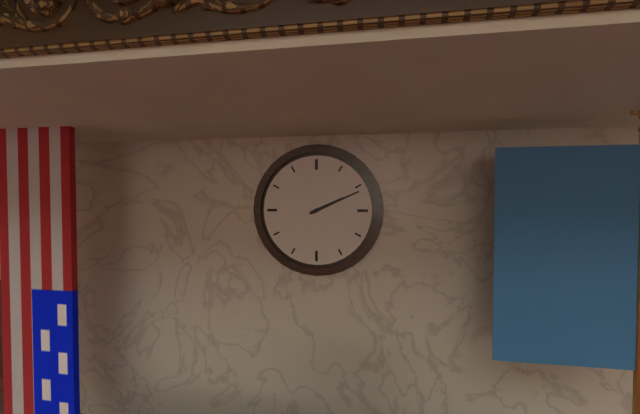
2h11
